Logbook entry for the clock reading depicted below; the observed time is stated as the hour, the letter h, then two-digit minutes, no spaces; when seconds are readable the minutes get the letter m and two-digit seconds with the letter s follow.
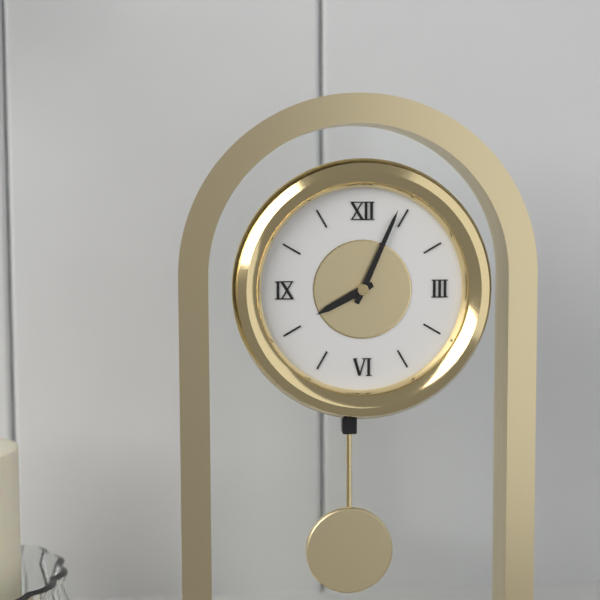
8h04
